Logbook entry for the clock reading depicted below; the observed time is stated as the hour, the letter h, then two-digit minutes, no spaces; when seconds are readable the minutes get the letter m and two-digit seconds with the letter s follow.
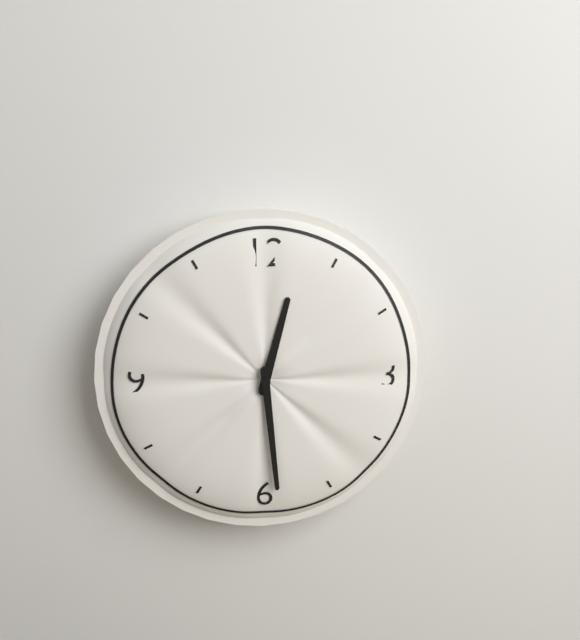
12h29
